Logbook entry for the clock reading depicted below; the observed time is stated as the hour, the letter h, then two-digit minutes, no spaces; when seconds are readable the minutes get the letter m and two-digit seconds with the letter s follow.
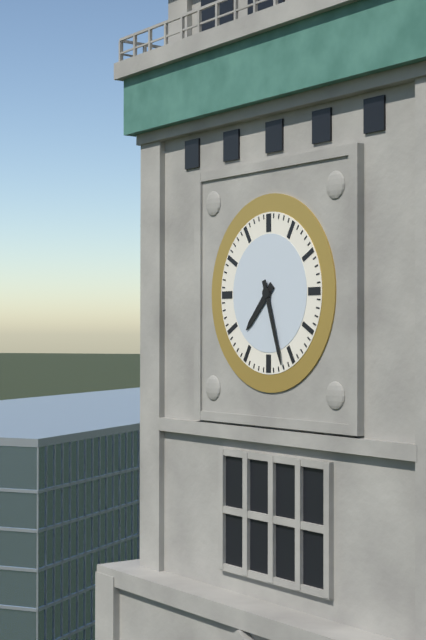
7h27
